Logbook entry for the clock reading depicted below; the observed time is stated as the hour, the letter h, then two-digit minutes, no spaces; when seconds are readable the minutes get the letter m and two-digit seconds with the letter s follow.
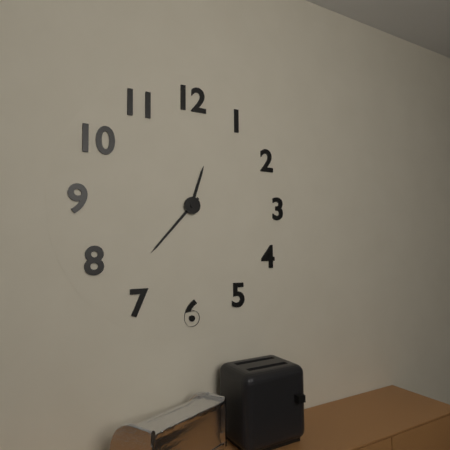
12h37
